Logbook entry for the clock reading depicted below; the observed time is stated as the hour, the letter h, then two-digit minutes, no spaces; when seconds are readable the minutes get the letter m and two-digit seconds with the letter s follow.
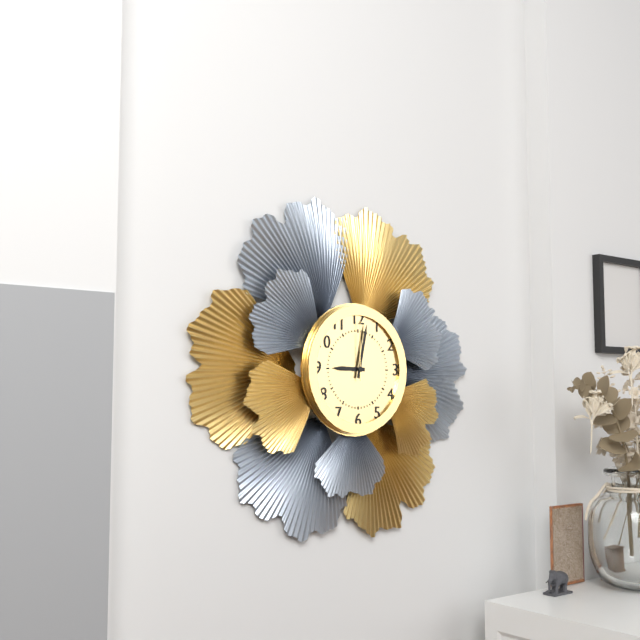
9h02m00s
